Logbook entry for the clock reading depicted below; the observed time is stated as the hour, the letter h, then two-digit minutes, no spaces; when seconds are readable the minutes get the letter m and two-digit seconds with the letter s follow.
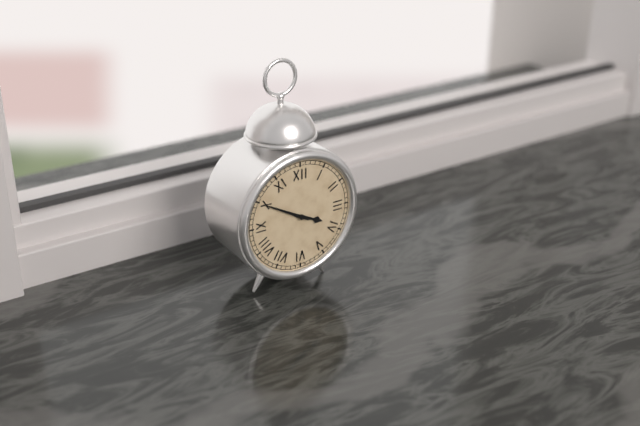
3h50
